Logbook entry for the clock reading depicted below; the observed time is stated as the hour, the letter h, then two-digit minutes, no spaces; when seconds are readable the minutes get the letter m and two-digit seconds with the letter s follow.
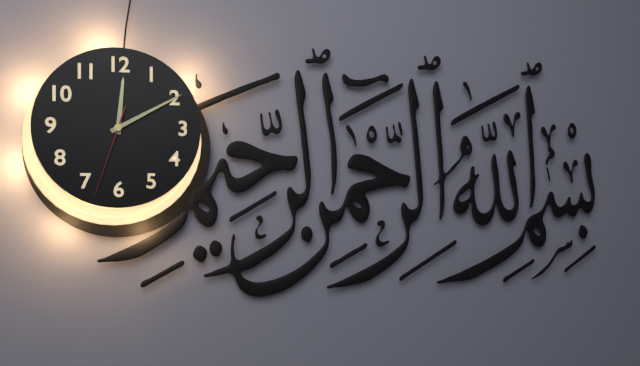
12h10m33s
